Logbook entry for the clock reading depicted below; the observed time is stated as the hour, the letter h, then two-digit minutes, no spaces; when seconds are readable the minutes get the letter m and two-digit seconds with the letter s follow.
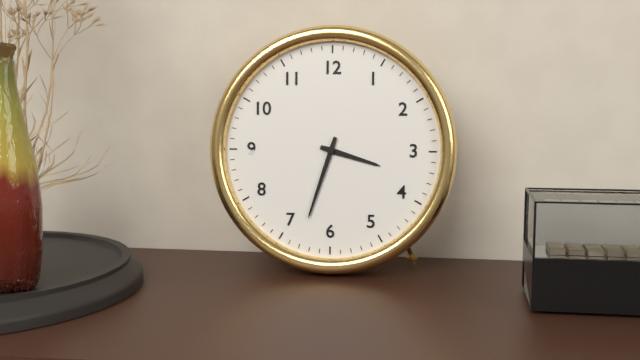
3h33
